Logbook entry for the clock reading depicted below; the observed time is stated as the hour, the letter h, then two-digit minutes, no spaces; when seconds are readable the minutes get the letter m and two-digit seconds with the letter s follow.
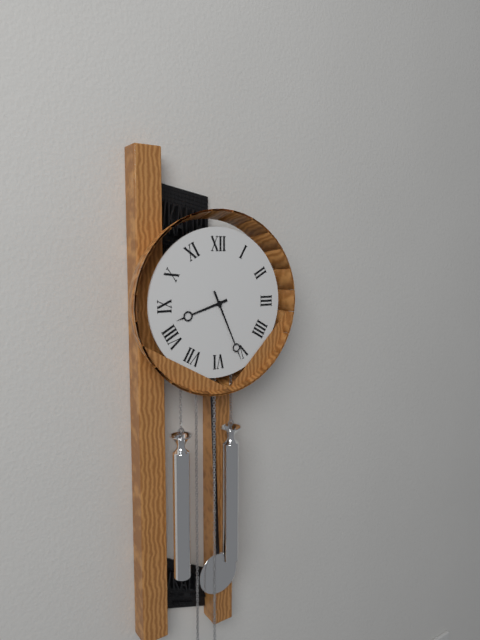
8h26
